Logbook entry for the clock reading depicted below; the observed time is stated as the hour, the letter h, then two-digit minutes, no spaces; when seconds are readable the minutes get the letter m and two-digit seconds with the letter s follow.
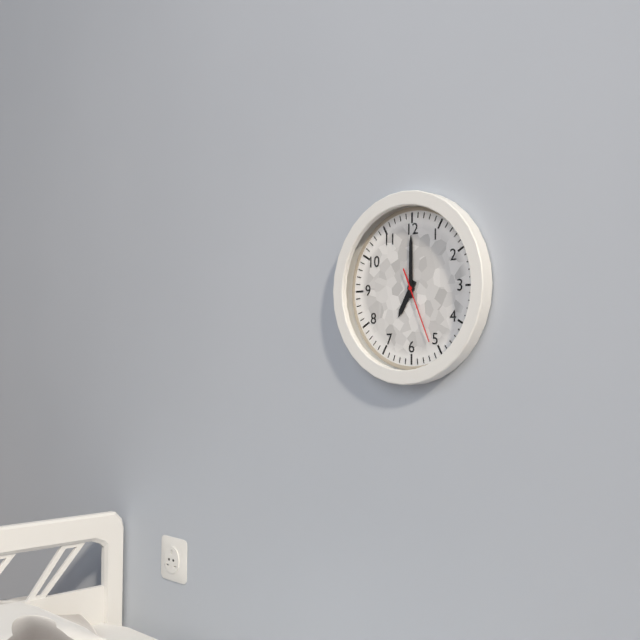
7h00m26s
